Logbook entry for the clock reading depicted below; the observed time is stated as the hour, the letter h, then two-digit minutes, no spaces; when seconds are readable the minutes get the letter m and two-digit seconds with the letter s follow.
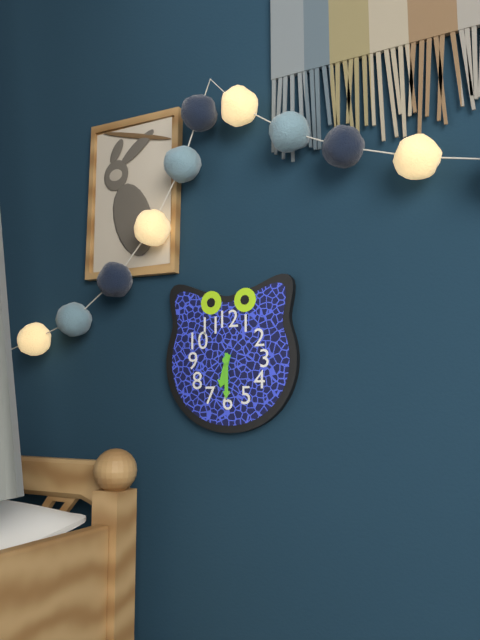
6h30
